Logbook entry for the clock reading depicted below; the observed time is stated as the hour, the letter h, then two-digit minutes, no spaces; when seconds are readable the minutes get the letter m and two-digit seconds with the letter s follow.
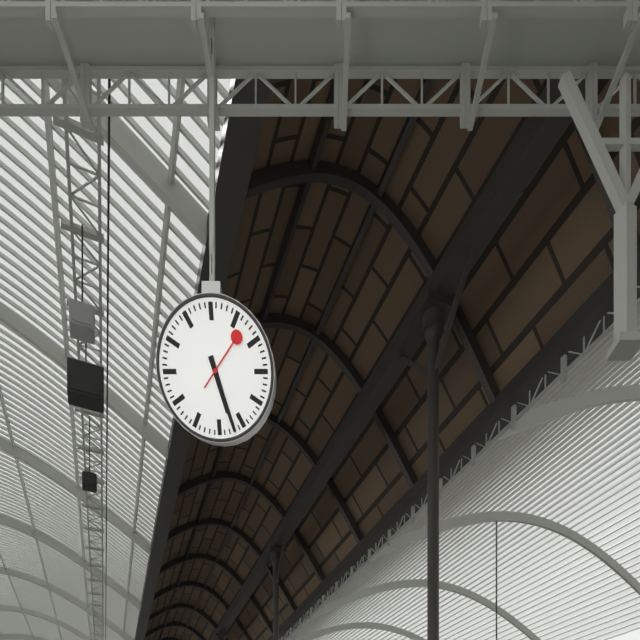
5h27m07s
